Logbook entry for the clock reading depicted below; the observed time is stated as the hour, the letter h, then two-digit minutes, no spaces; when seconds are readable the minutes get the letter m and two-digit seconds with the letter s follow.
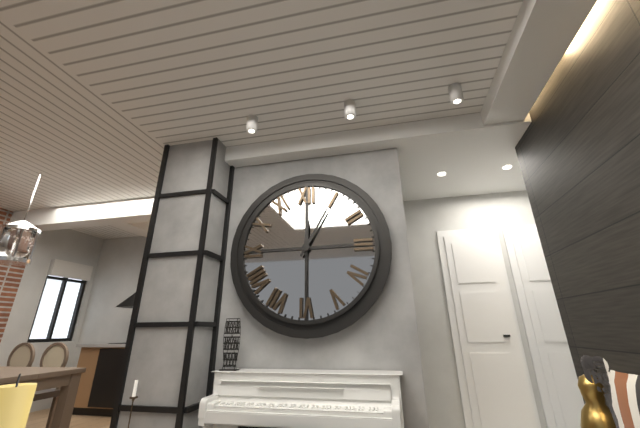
12h05
